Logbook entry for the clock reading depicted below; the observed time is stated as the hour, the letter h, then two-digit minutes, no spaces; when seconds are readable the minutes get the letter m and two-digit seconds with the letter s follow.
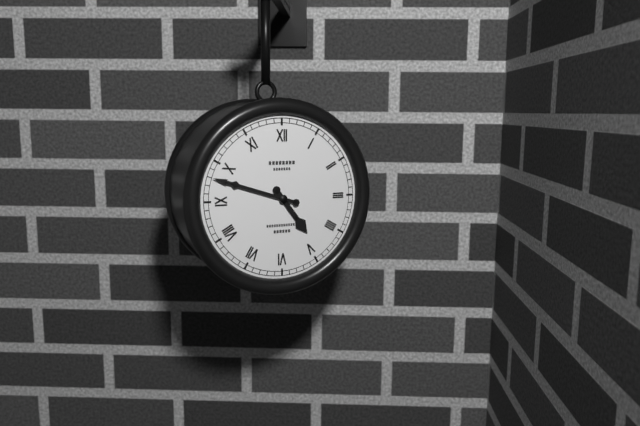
4h48
